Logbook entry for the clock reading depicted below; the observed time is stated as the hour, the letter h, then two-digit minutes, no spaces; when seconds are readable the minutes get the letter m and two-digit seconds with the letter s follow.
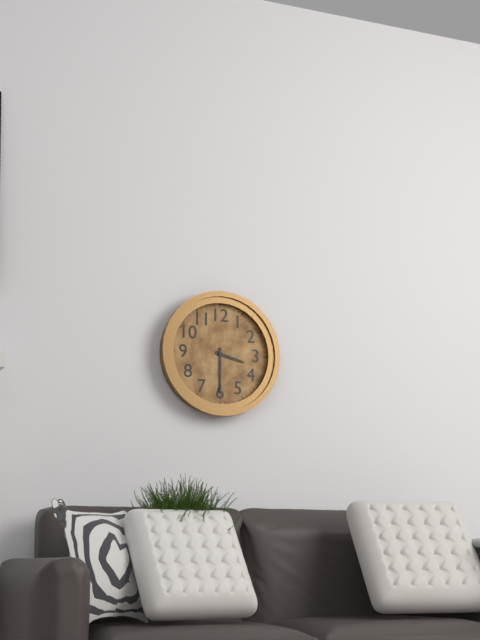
3h30
